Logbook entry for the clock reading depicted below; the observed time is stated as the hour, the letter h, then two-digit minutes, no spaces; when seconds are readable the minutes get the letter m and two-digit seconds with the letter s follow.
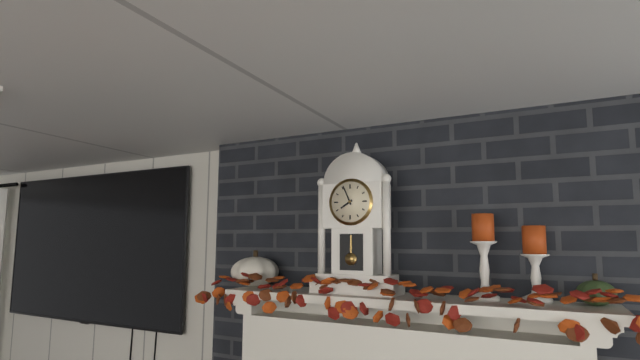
7h56
